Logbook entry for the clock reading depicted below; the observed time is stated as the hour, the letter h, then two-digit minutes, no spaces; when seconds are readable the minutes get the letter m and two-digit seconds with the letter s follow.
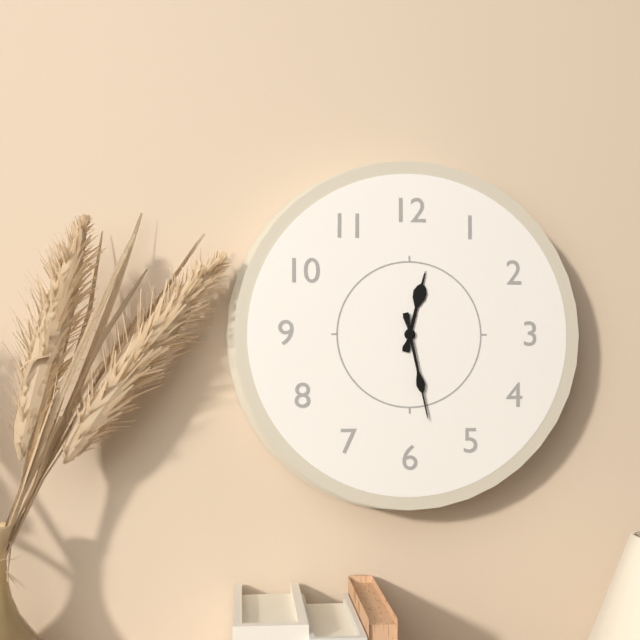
12h28
